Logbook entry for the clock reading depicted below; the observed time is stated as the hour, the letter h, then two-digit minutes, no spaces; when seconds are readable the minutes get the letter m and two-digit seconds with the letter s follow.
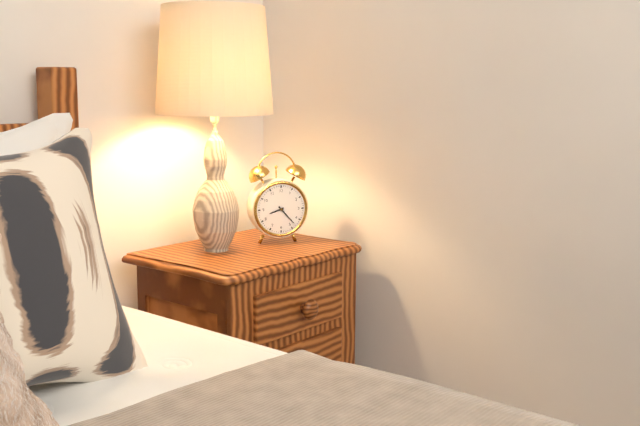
8h23
